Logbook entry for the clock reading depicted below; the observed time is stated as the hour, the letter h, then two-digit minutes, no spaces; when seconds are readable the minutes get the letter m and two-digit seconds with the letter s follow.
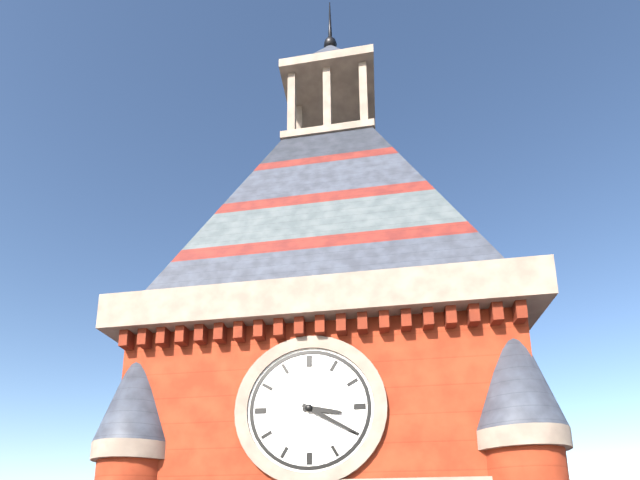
3h20
